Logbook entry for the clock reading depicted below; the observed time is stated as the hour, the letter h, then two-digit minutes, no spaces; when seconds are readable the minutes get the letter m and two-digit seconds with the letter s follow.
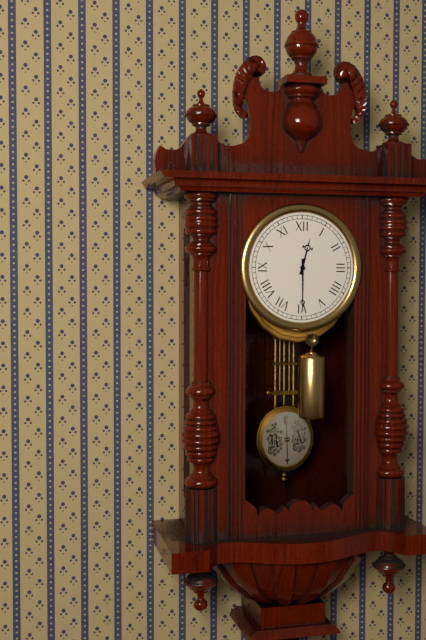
12h30
